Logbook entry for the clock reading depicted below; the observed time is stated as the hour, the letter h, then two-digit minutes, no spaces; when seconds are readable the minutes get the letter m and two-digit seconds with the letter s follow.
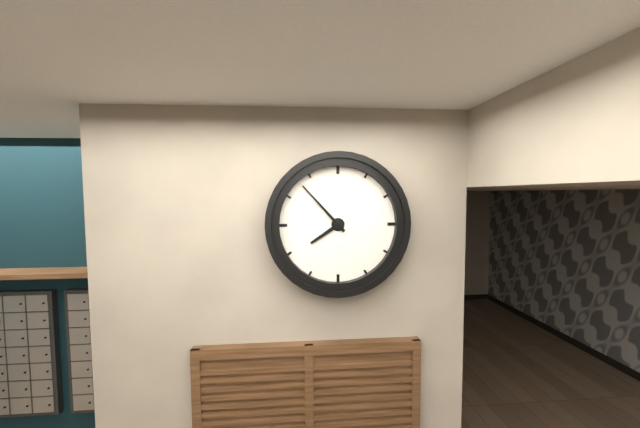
7h53
